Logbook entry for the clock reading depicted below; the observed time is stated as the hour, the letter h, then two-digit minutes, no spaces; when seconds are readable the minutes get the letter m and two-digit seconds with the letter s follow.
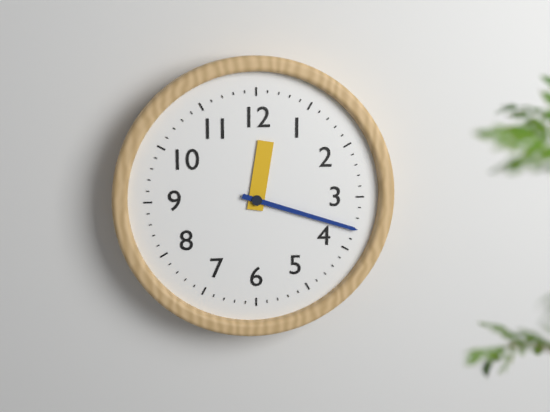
12h18
